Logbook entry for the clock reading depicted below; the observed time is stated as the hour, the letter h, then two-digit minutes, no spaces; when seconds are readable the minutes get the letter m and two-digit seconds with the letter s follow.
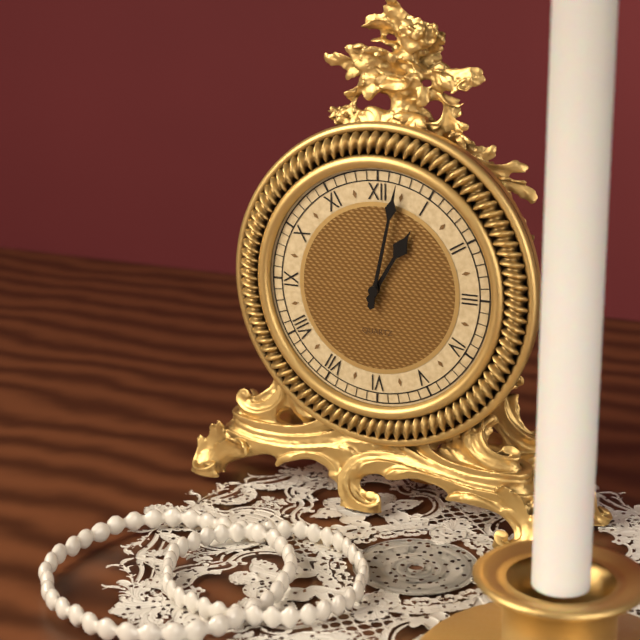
1h02
